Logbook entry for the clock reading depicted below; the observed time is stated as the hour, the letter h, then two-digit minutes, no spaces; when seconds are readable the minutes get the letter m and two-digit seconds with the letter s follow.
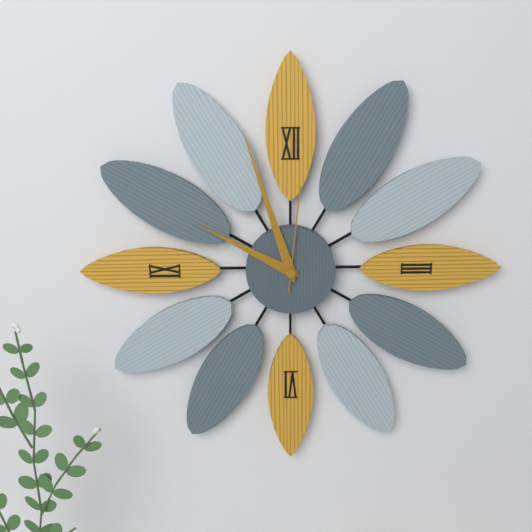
9h57m01s
